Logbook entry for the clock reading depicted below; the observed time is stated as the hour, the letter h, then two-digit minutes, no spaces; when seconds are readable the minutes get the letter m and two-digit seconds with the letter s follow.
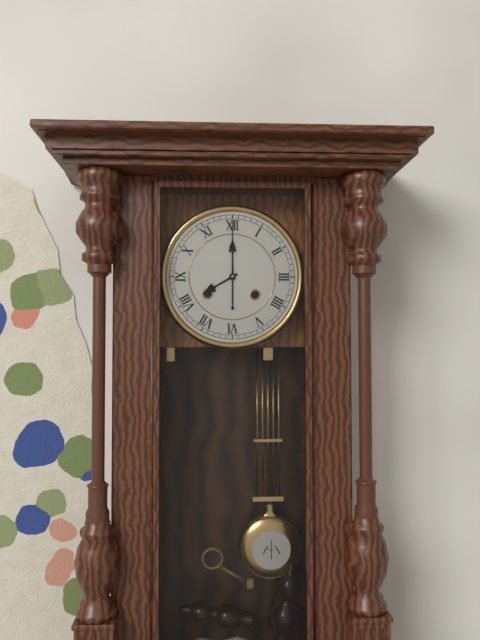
8h00
